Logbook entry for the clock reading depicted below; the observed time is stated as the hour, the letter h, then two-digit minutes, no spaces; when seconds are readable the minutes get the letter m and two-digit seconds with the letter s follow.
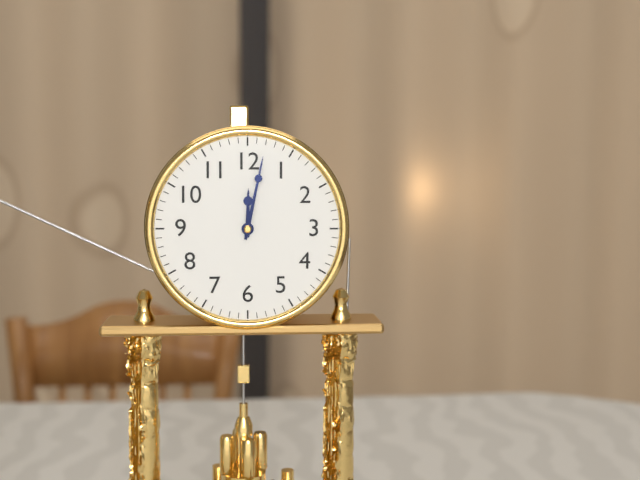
12h02
